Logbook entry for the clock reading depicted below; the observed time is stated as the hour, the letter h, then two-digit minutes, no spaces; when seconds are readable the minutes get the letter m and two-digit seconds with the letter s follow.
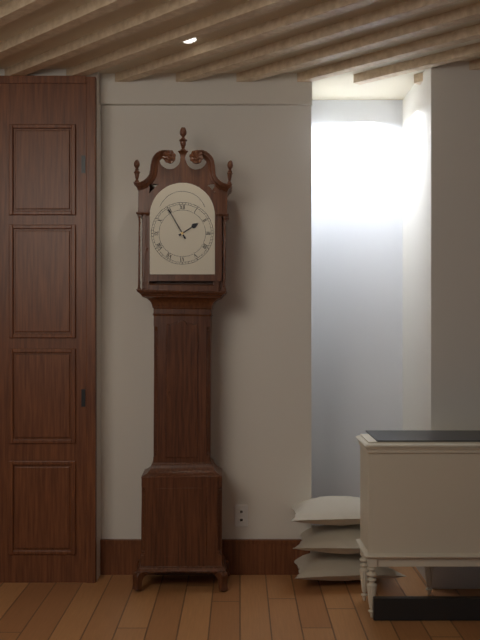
1h55
